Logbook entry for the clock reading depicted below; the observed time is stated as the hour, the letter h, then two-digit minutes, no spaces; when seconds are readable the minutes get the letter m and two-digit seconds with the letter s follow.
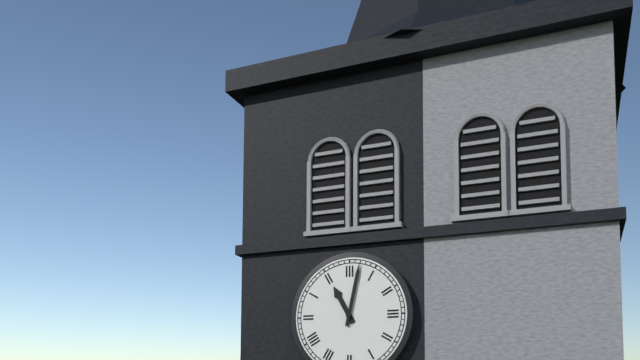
11h02
